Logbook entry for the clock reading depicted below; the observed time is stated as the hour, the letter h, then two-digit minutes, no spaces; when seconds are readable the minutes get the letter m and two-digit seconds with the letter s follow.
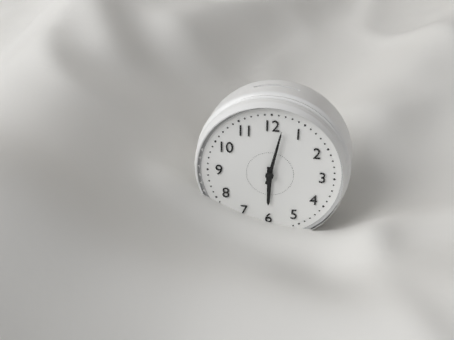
6h02
